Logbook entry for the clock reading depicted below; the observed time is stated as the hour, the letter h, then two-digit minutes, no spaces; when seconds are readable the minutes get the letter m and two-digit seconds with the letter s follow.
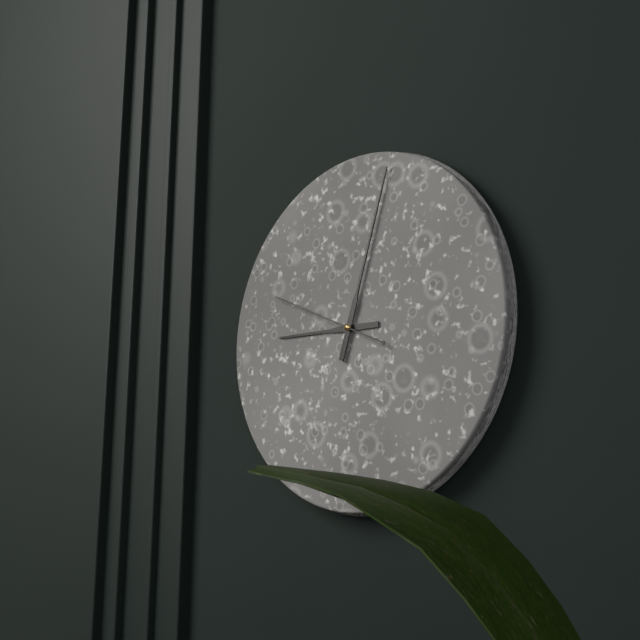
9h03m49s
